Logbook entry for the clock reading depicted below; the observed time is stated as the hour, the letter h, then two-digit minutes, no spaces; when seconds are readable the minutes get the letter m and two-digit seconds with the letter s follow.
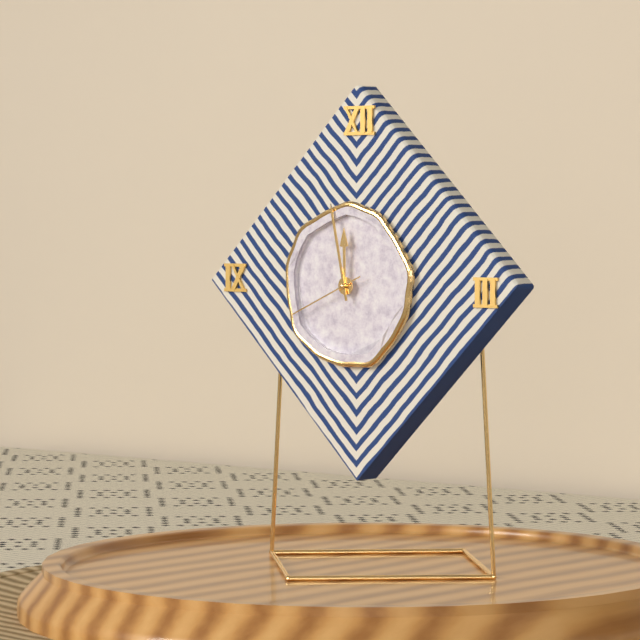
11h58m41s
